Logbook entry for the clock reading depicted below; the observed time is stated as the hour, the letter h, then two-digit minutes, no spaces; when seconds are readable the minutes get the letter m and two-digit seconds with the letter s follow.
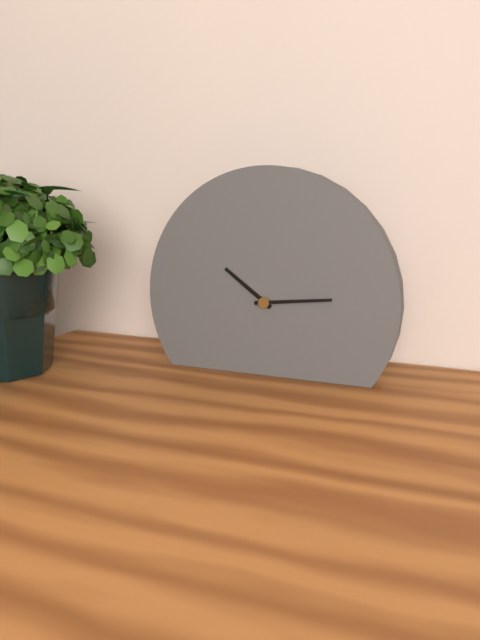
10h14
